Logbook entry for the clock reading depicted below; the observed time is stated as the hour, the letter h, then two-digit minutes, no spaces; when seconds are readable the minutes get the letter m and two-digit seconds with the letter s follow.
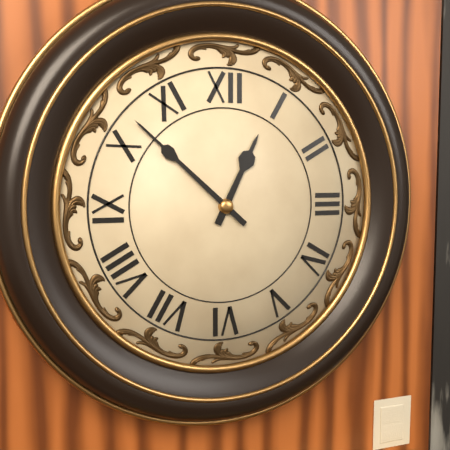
12h52
